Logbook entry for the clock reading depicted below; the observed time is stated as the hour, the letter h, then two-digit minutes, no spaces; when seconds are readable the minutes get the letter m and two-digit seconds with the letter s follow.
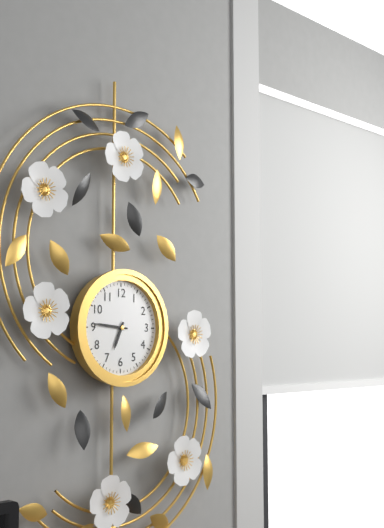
6h46
